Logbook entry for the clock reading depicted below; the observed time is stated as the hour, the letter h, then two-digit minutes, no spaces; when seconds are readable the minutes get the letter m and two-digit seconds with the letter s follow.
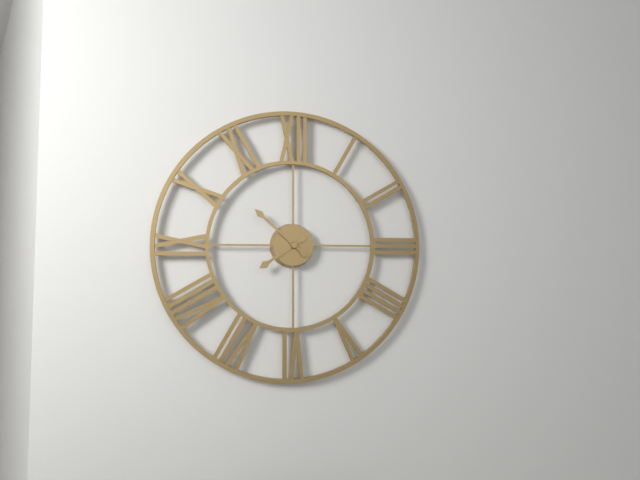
7h52
